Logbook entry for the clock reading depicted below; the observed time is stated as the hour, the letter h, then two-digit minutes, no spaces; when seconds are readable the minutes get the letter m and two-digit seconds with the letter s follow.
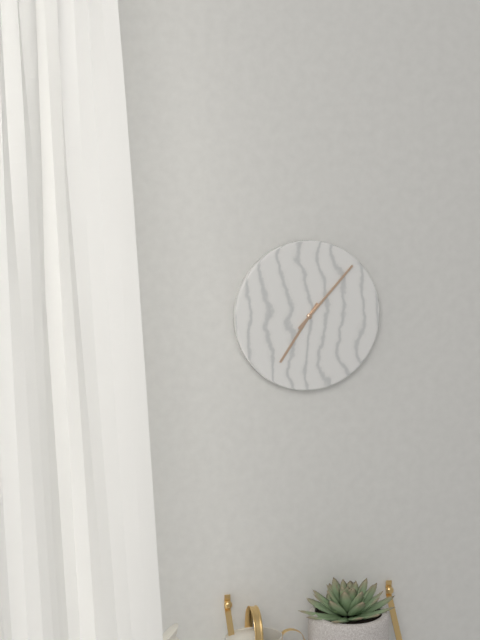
7h07
